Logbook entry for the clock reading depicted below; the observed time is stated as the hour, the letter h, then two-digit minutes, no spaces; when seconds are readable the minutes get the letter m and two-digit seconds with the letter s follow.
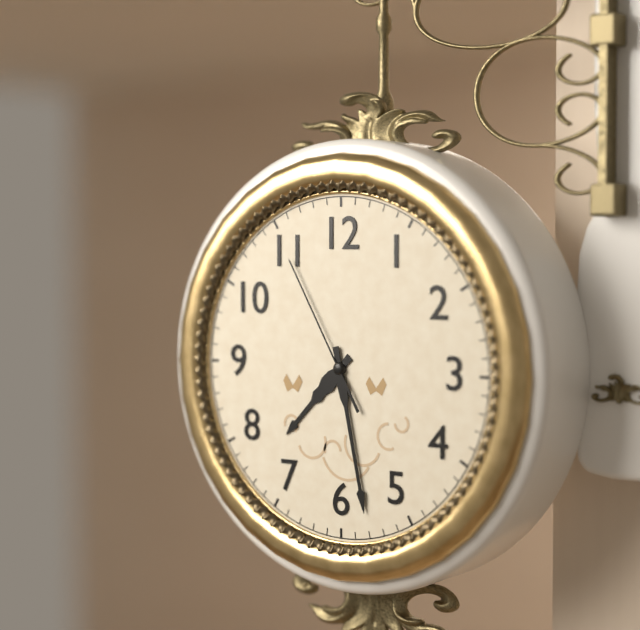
7h28m55s
